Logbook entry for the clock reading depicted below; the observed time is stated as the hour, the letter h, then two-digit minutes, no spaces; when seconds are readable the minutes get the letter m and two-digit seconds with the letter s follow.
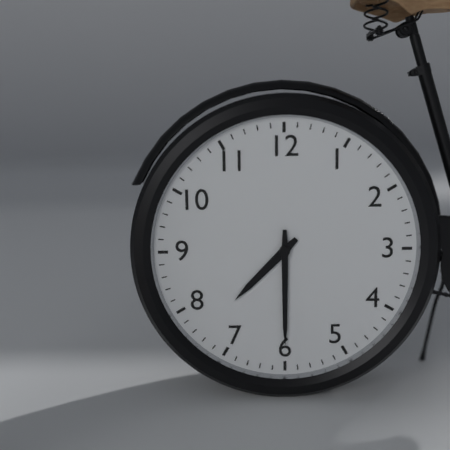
7h30
